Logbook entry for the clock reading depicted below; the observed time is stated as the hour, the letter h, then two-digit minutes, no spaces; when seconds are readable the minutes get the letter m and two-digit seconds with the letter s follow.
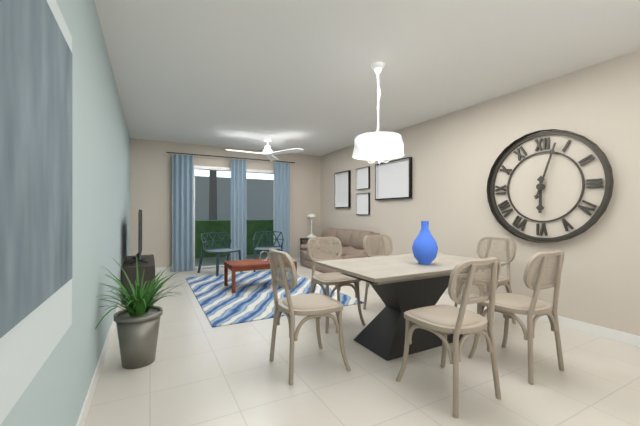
6h03
